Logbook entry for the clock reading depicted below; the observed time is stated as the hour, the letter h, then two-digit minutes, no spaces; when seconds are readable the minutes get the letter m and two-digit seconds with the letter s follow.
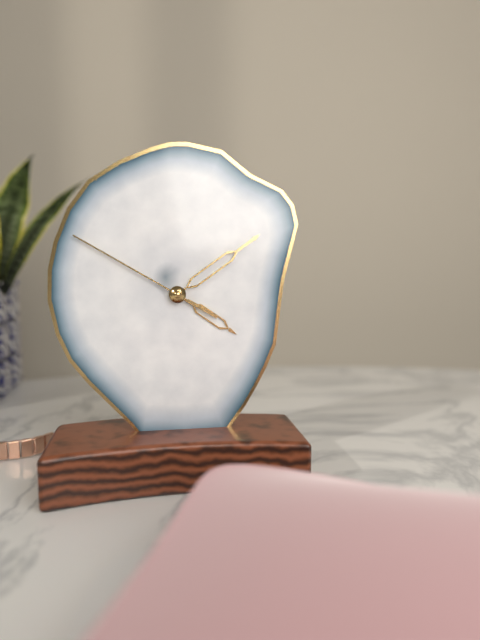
4h09m50s
